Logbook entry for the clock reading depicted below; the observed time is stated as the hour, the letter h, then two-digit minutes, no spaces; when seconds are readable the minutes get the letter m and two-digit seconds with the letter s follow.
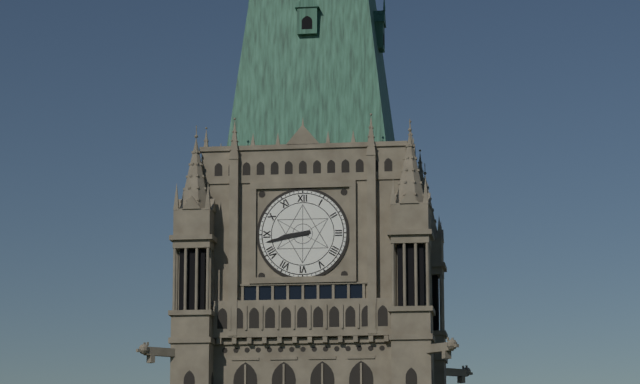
8h43
